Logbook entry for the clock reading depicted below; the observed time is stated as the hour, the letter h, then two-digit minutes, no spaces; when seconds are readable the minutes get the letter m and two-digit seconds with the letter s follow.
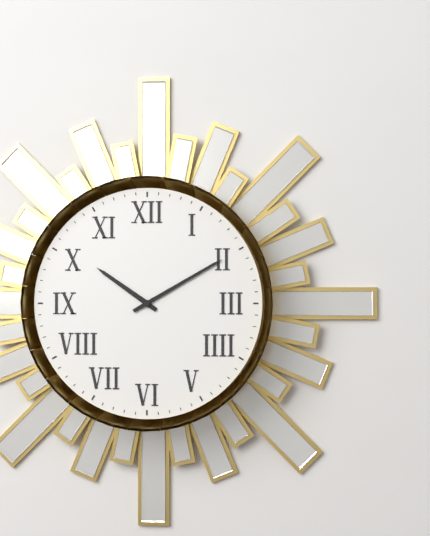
10h10
